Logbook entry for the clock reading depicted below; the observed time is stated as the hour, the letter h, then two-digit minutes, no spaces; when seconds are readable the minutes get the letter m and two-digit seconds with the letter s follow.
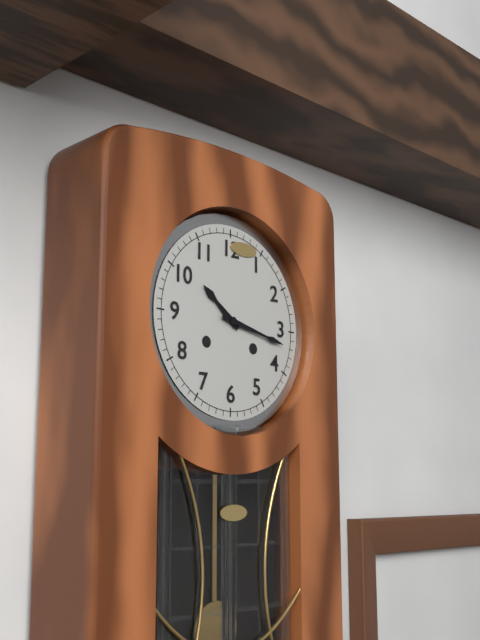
10h17
